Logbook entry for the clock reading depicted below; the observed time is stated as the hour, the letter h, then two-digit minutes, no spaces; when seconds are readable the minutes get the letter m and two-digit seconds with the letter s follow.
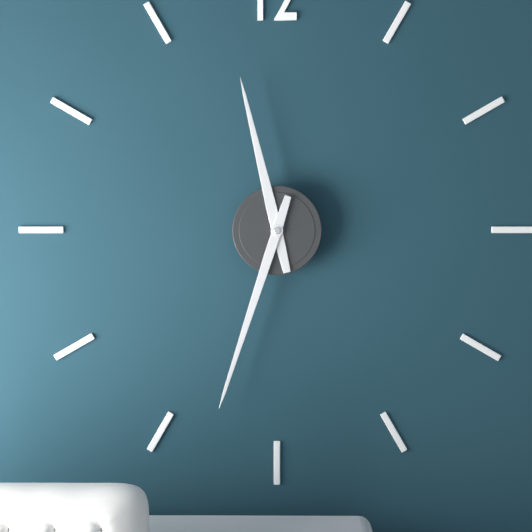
11h33
